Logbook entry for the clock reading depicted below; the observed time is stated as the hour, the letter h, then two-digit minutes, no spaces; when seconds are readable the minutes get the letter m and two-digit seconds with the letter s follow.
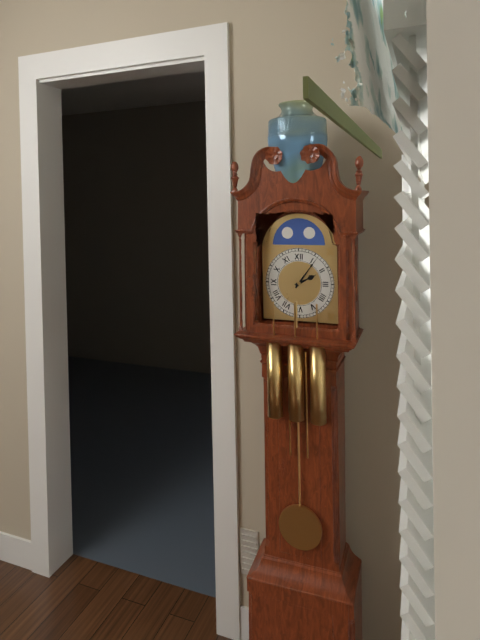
2h06
